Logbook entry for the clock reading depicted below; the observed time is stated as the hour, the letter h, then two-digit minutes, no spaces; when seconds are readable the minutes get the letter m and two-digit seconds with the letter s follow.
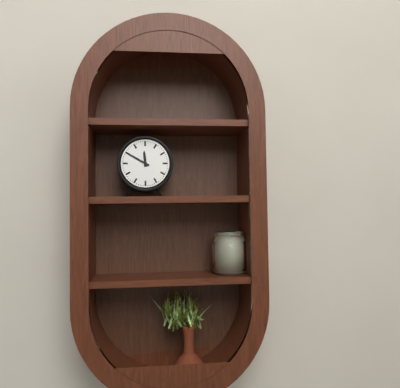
11h50
